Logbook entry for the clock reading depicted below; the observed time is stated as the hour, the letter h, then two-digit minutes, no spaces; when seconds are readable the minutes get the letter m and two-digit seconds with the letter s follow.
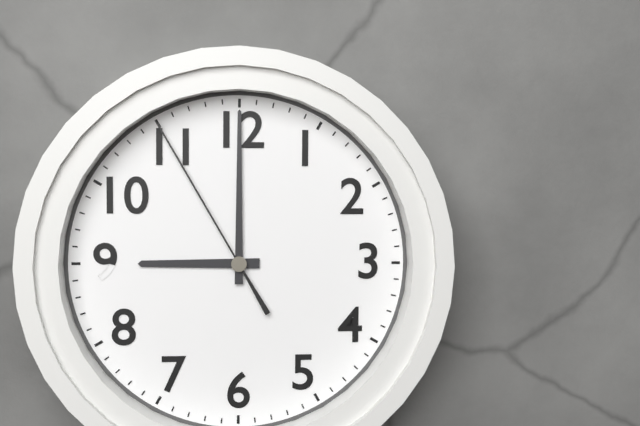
9h00m55s
